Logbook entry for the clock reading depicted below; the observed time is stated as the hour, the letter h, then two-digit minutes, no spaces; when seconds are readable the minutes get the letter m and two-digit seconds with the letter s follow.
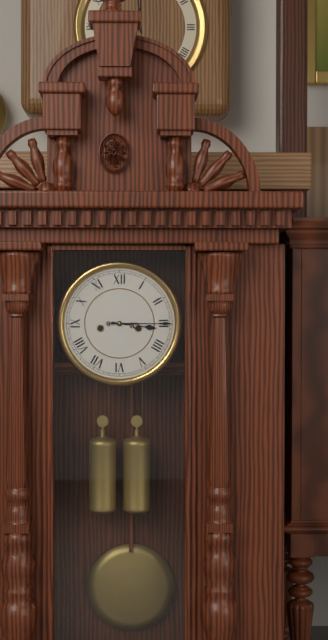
3h15
